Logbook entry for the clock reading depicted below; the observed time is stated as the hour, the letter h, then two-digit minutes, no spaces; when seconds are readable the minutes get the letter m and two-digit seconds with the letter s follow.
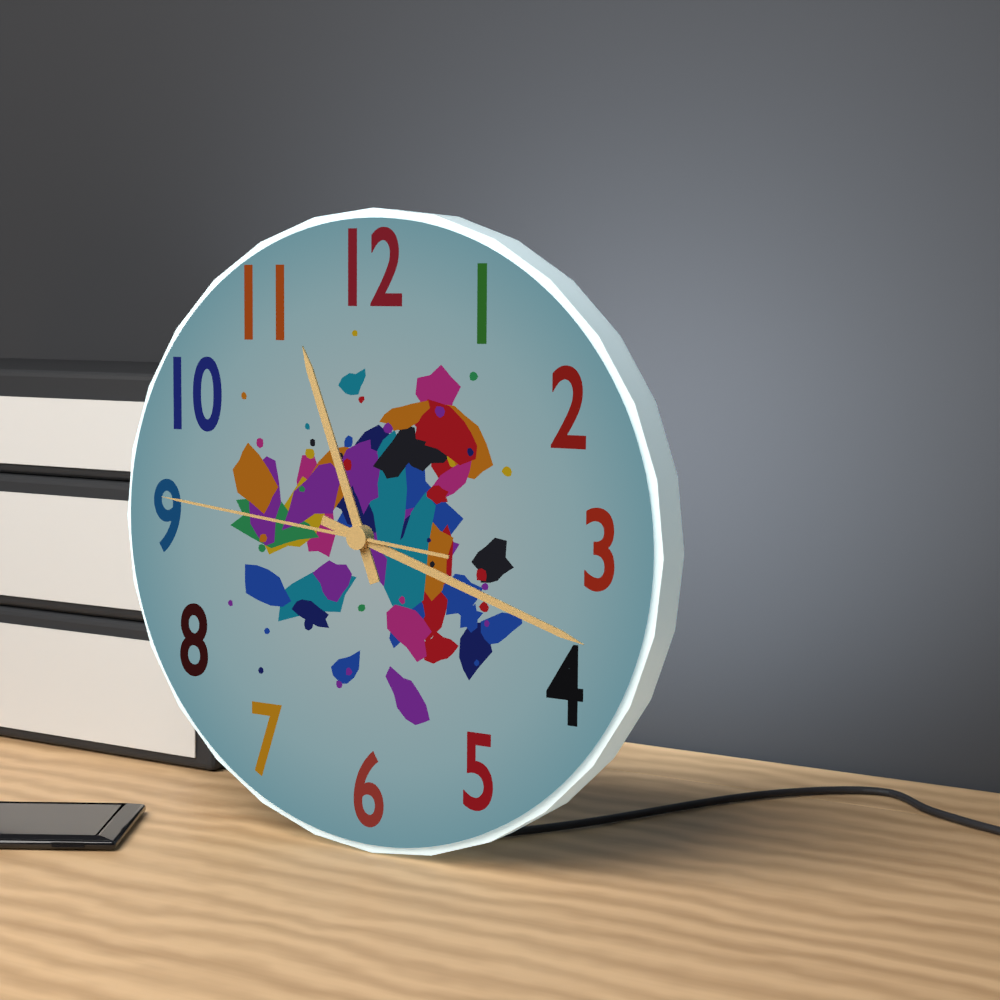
11h18m46s
